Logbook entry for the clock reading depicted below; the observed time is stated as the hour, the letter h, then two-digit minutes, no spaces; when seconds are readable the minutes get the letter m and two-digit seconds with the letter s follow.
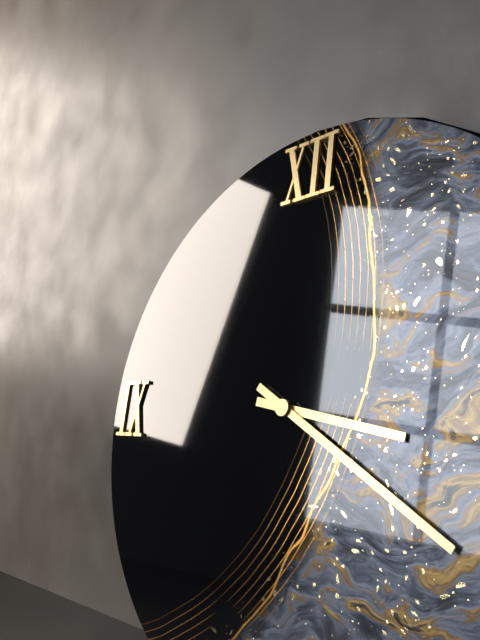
3h20
